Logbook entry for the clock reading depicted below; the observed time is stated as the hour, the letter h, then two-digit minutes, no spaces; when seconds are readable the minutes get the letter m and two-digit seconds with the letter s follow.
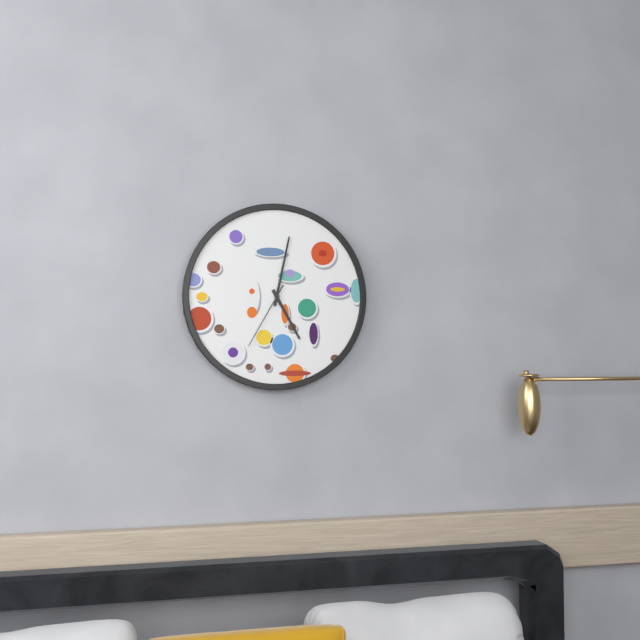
5h02m35s
